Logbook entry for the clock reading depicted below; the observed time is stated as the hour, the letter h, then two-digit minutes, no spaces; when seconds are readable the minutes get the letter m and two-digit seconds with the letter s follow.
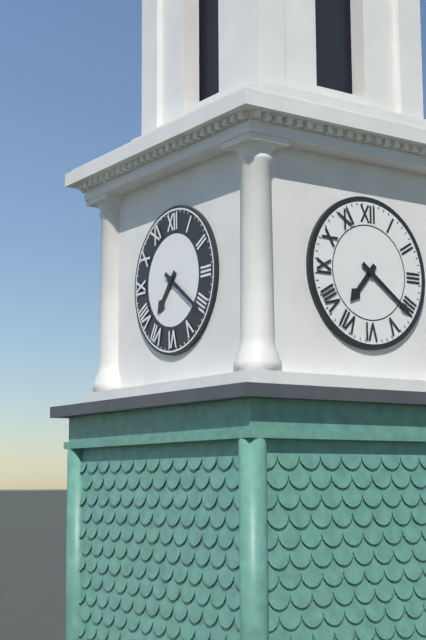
7h21
